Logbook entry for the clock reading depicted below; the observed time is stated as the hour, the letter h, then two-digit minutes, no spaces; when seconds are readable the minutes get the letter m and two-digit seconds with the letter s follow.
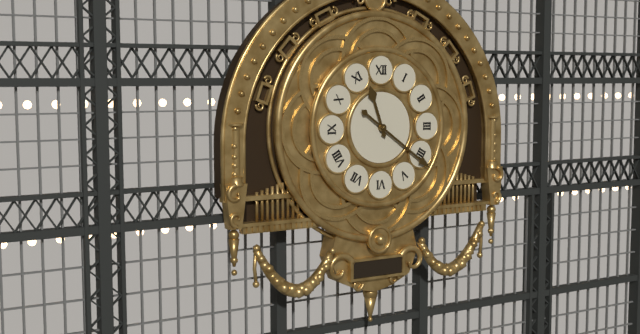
11h21
